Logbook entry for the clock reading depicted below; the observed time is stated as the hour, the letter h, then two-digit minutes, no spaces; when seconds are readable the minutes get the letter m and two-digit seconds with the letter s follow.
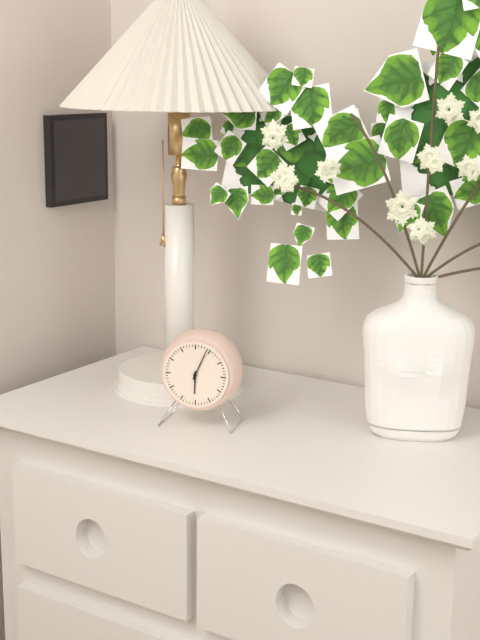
6h04
